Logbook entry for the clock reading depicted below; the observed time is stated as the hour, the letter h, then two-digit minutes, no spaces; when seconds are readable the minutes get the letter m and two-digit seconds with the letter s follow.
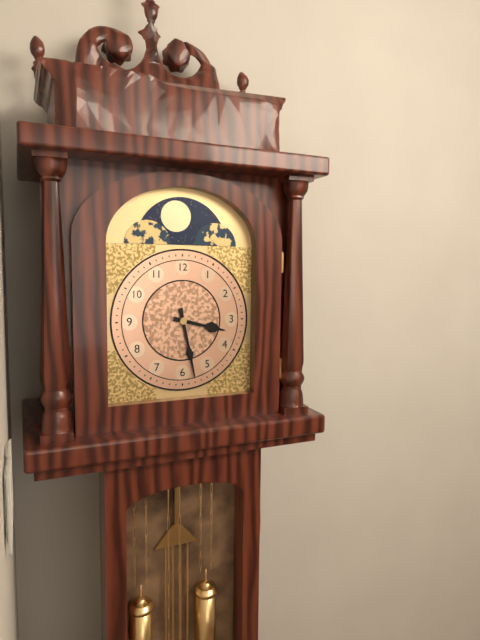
3h28
